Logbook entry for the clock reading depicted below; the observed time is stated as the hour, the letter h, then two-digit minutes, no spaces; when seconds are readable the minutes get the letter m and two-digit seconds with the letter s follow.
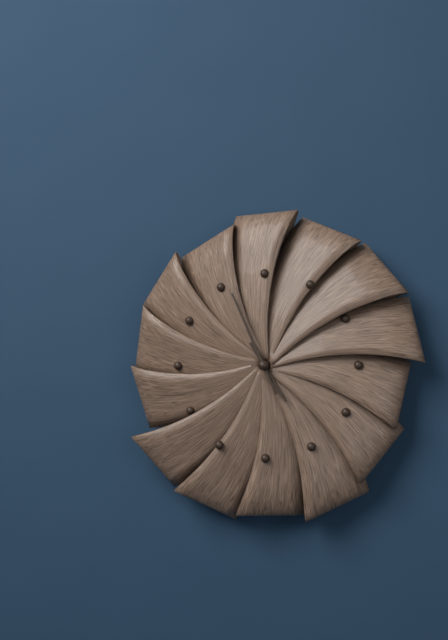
4h56
